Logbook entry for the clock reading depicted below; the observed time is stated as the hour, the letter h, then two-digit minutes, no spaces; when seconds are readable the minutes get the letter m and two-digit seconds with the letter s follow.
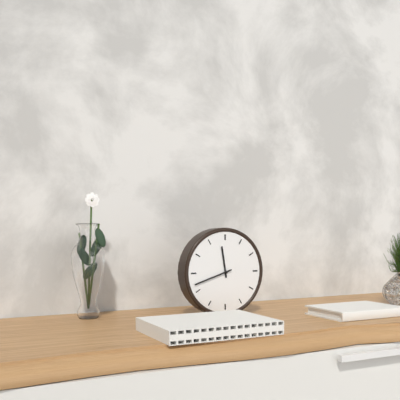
11h42
